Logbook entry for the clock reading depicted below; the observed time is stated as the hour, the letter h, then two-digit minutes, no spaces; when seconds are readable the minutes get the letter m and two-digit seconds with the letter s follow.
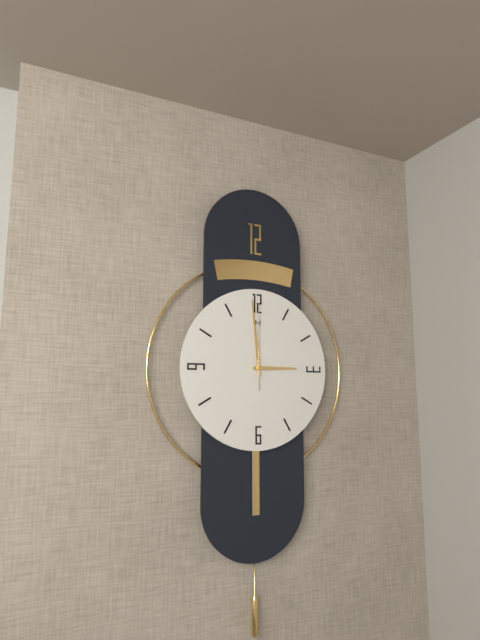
2h59m00s
